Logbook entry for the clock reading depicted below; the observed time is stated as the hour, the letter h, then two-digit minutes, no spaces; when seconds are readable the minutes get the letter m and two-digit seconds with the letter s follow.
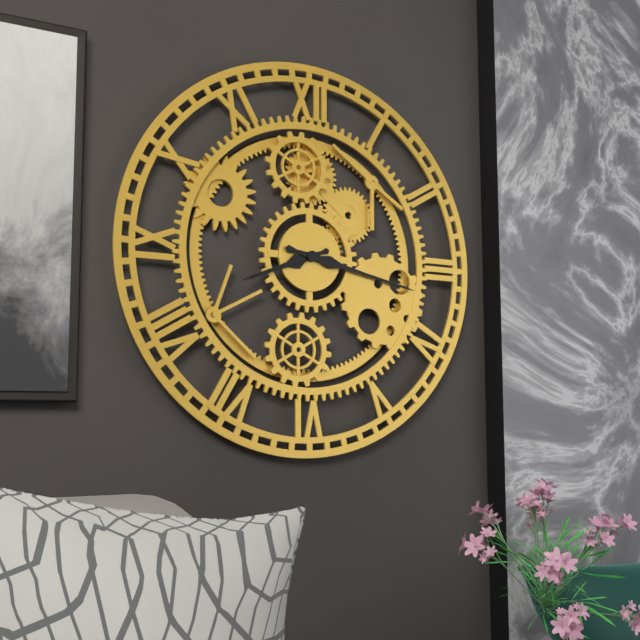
8h17
